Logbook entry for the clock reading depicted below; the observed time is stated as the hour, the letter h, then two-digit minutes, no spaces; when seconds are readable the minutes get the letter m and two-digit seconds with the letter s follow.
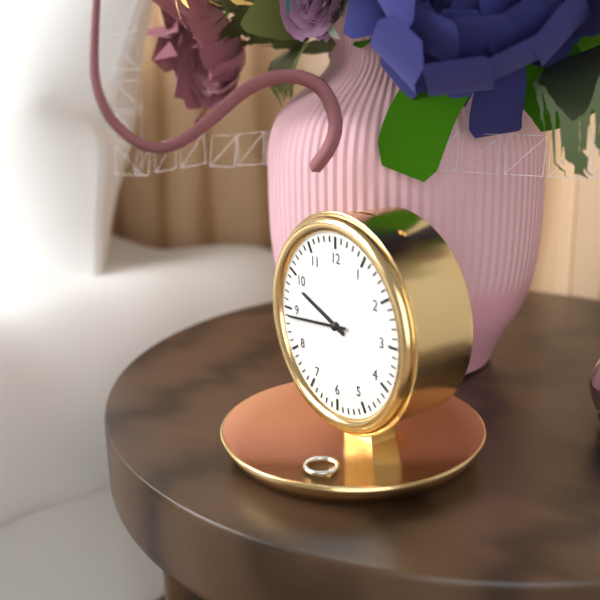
9h44
